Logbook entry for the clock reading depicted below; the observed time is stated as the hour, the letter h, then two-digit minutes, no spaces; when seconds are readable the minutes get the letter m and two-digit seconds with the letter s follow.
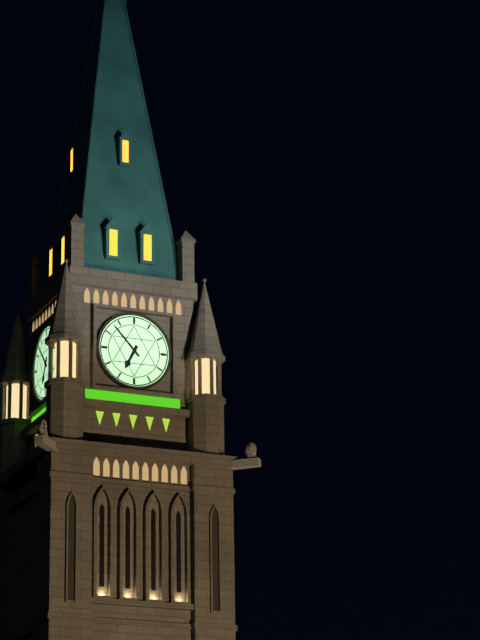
6h53
